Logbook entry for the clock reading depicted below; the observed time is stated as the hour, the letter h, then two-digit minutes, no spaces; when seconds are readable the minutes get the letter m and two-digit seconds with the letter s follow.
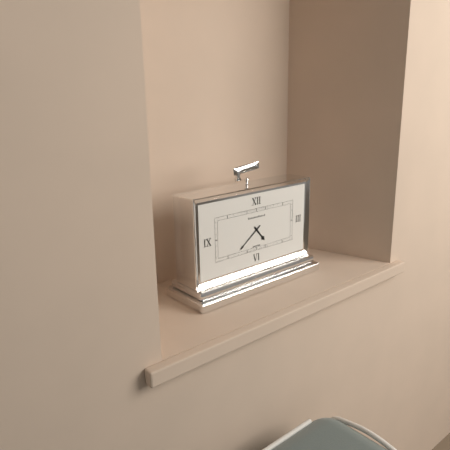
4h39
